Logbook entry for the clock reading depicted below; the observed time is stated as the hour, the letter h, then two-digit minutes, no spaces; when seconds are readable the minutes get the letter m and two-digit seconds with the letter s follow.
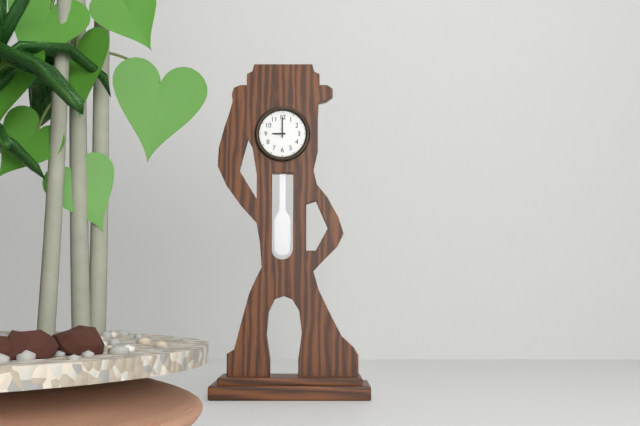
9h00
